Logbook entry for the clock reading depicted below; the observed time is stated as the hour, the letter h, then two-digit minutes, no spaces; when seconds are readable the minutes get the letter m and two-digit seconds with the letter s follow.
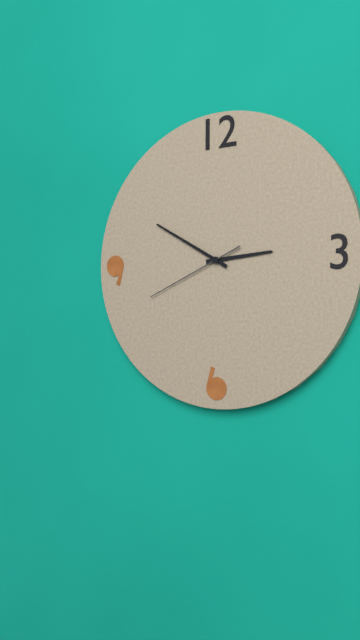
2h50m41s
